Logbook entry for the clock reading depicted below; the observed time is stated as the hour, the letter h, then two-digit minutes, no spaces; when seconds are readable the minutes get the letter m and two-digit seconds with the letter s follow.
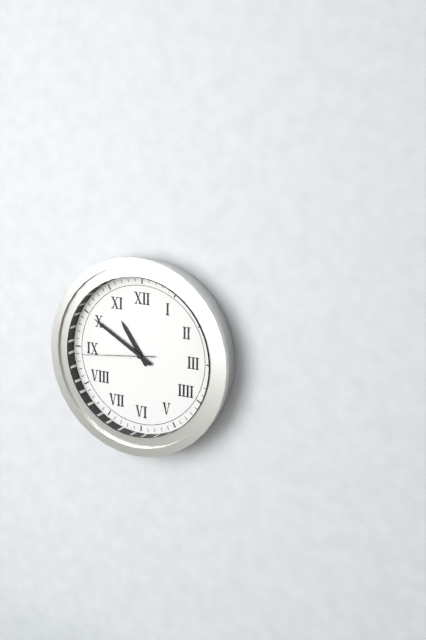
10h50m44s
